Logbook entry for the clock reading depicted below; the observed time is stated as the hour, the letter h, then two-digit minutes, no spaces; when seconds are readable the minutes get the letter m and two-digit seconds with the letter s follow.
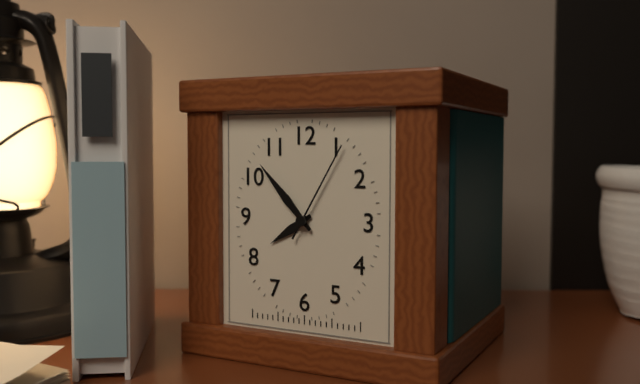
7h53m05s
